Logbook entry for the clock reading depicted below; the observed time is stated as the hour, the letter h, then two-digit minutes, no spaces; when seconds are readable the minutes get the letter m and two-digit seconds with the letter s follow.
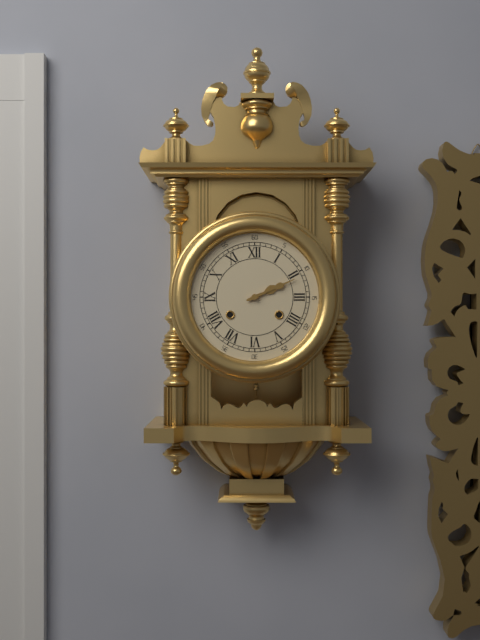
2h11
